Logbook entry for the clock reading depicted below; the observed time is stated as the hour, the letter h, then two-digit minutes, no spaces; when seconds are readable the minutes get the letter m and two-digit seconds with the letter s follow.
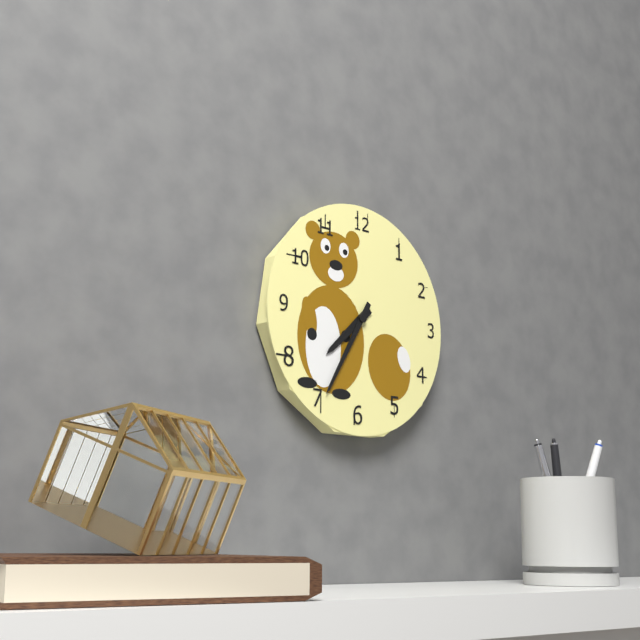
7h35
